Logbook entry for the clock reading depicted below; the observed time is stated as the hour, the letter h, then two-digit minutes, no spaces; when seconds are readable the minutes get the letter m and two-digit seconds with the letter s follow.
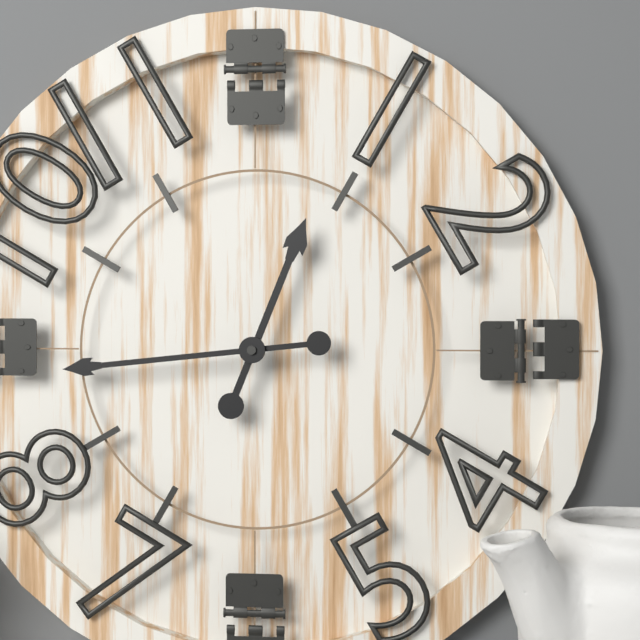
12h44
